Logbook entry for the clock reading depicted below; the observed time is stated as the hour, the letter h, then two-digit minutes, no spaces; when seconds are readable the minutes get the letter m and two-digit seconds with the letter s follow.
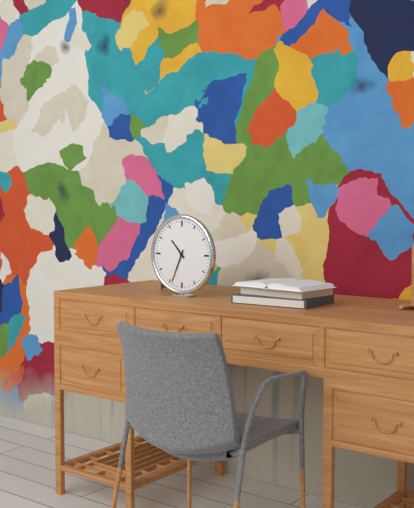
10h34
